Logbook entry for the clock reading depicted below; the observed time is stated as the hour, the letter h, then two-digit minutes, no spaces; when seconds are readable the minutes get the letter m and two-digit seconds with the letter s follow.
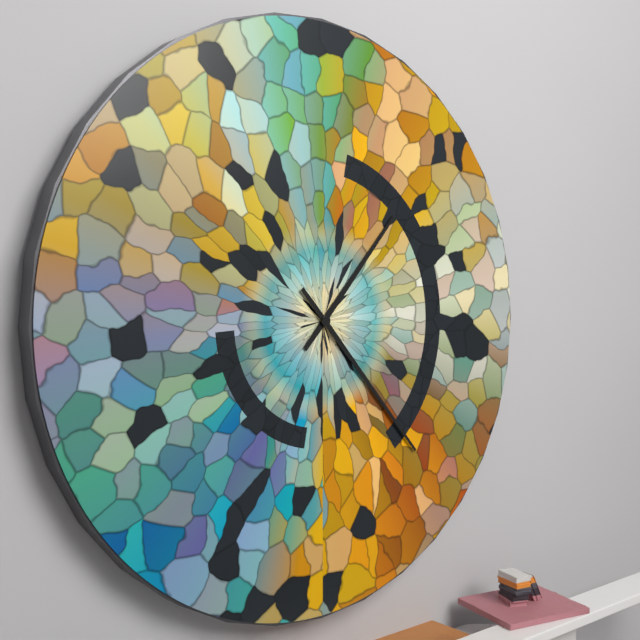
1h23
